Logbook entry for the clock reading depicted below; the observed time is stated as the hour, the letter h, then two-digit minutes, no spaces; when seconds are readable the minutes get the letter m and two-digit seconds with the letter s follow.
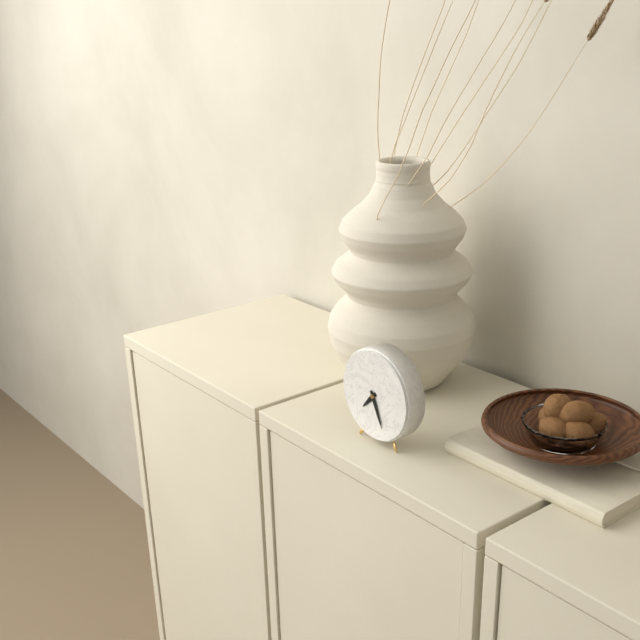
7h26
